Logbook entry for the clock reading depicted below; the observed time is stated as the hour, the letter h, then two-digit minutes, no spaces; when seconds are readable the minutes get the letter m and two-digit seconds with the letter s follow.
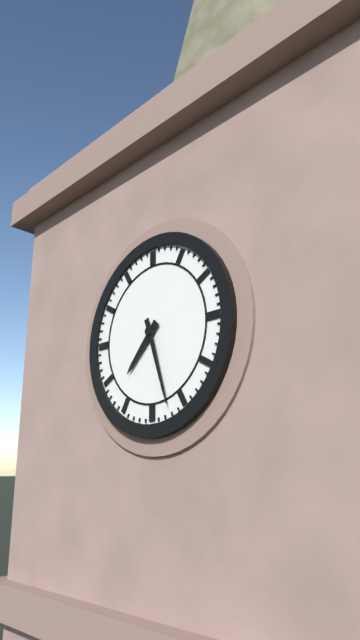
7h27
